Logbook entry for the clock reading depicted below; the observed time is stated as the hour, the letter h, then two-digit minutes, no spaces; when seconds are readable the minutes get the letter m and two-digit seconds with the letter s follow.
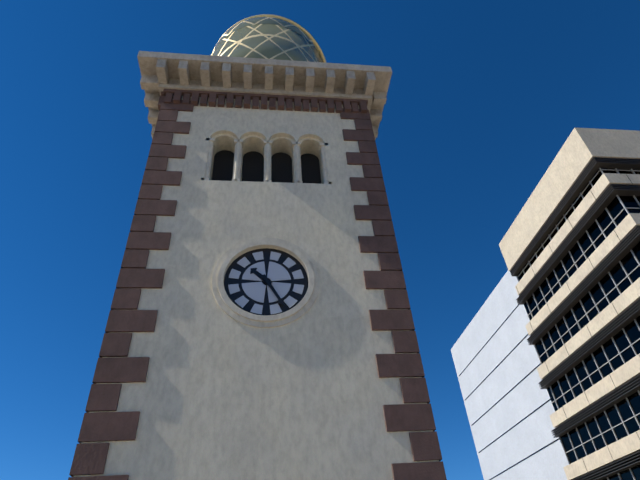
10h25
